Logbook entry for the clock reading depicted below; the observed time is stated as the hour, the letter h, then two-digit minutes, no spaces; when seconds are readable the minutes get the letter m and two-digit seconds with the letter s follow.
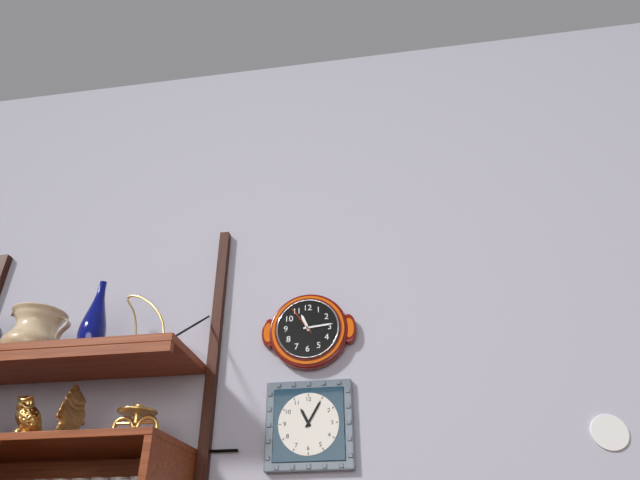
11h14
